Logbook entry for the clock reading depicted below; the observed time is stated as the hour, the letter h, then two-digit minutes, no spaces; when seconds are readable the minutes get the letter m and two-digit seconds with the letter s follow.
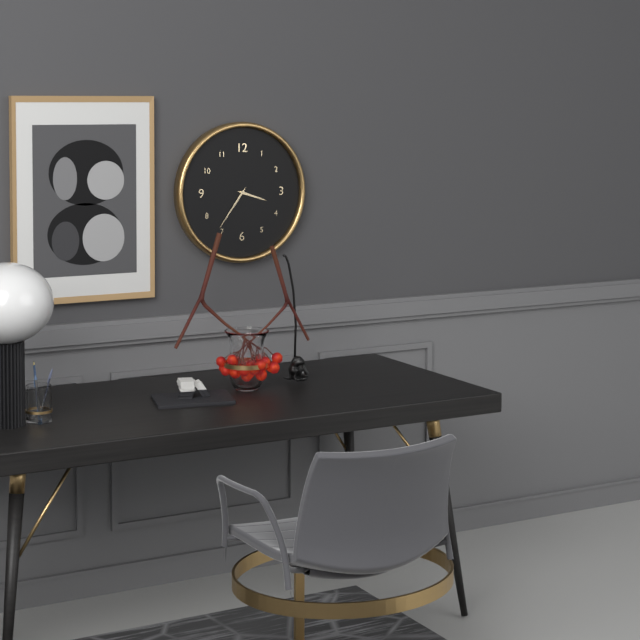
3h36
